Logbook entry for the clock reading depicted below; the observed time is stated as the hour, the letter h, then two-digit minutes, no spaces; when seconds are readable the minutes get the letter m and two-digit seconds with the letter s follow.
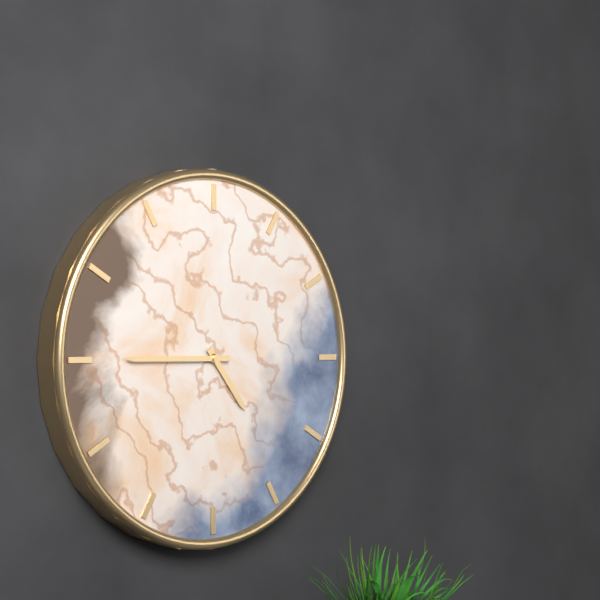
4h45
